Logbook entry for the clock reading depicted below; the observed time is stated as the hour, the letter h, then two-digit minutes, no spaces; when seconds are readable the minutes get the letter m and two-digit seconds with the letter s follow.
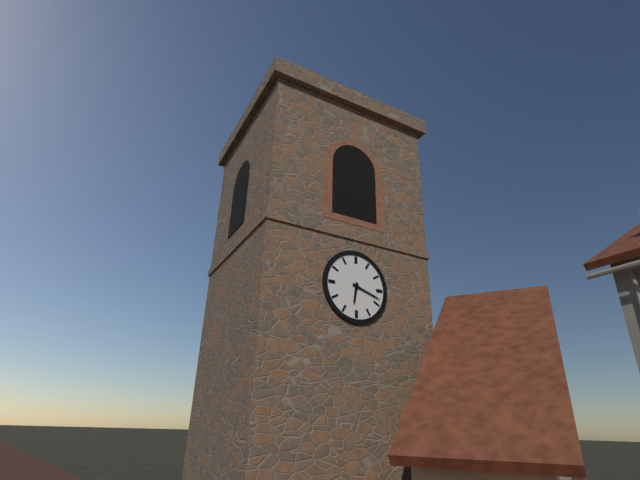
6h18
